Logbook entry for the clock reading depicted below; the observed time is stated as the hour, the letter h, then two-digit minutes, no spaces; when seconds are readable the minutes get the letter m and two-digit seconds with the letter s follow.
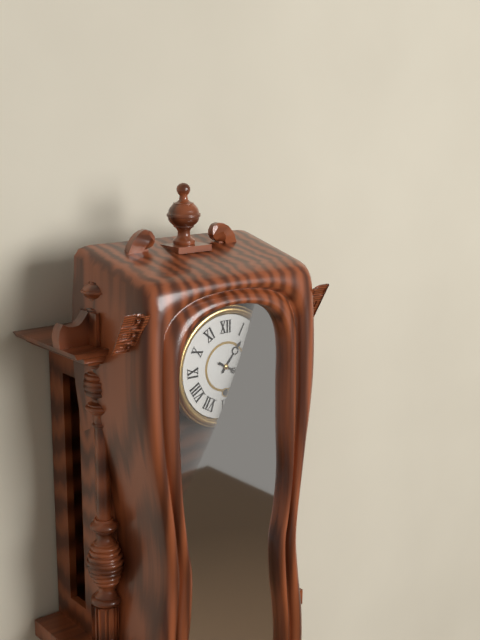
1h20
